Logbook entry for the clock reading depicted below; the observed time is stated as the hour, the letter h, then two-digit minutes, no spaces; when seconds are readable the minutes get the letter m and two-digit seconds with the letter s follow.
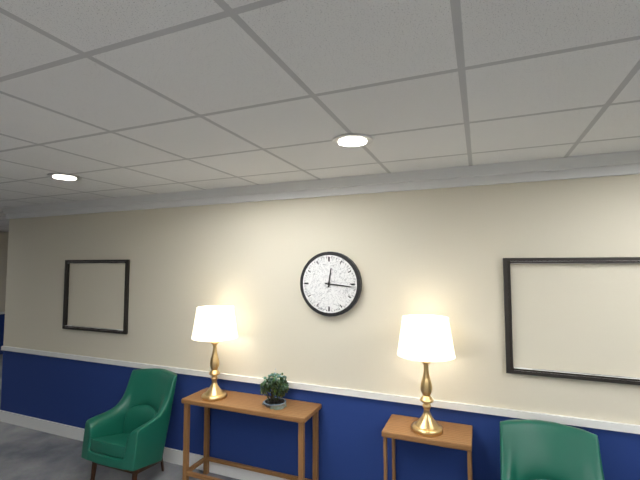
12h16
